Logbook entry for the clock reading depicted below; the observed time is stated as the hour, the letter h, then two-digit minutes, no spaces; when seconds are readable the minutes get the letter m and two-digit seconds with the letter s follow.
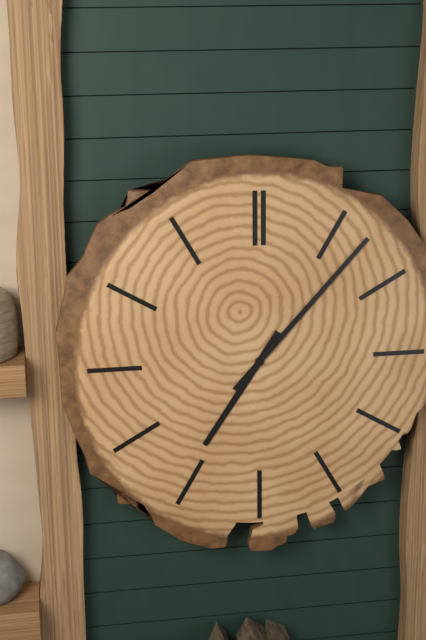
7h07
